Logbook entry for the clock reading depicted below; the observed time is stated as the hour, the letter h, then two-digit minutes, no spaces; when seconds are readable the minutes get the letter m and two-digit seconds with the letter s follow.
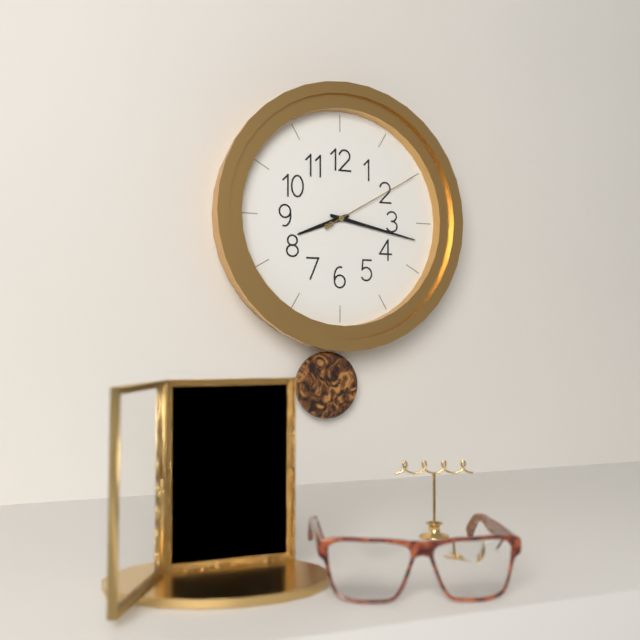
8h17m10s
